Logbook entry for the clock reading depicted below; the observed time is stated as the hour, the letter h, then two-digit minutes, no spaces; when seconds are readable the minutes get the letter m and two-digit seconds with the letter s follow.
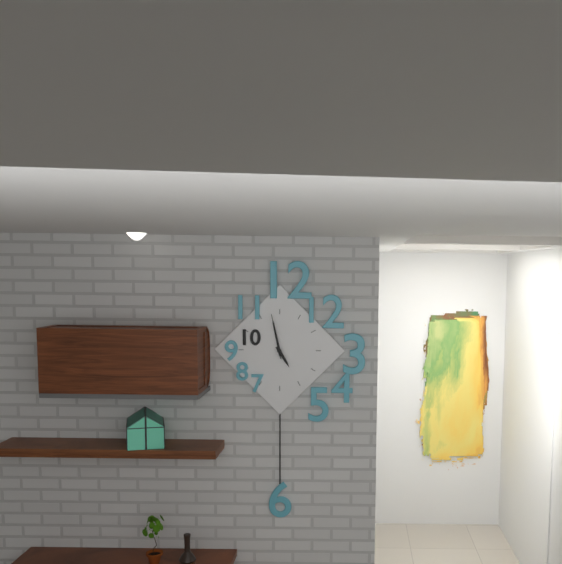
4h58
